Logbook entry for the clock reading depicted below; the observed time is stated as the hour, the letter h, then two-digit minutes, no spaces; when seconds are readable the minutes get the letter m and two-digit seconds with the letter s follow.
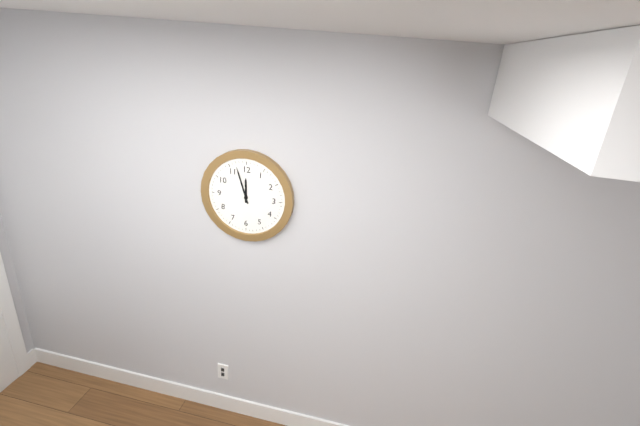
11h57
